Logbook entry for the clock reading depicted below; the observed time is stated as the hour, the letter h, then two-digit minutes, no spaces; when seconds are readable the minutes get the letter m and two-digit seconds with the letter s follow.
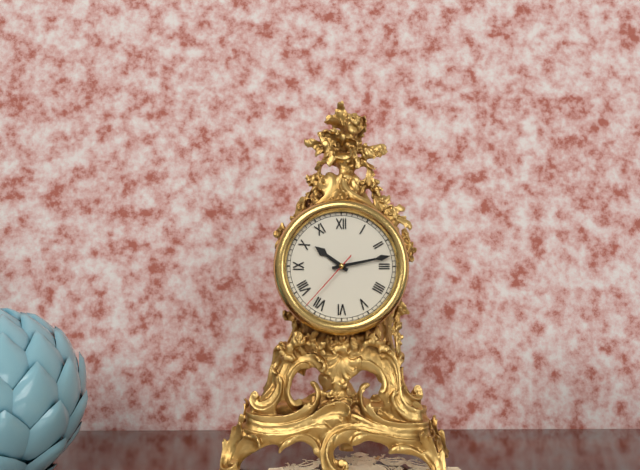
10h13m37s
